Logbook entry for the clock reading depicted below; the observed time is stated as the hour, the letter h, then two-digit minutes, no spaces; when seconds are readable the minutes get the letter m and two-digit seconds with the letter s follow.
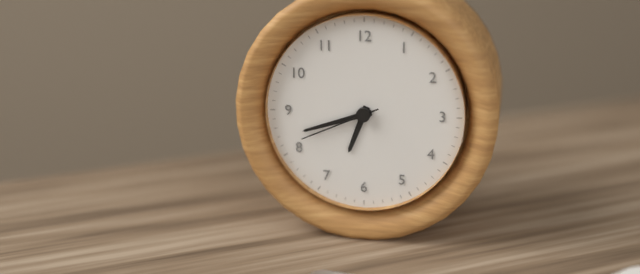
6h42m41s
